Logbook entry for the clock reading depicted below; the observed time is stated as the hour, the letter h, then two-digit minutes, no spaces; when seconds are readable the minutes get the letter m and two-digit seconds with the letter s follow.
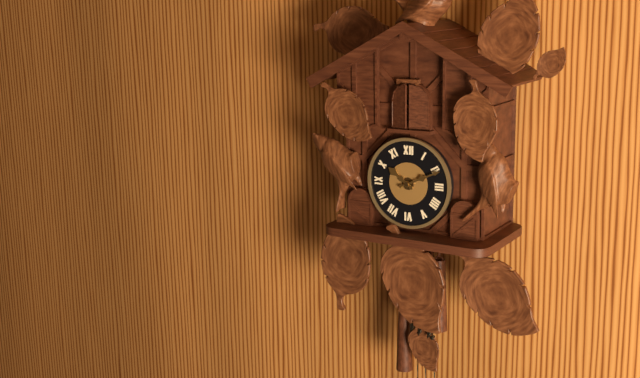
10h11
